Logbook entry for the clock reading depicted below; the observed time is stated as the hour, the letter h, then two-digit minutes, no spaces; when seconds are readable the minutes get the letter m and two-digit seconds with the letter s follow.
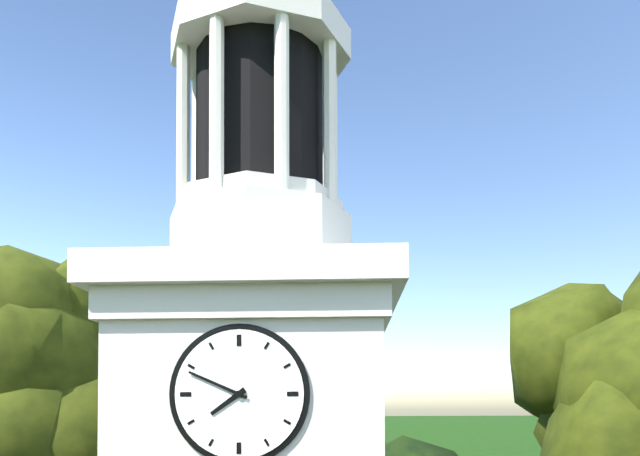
7h49
